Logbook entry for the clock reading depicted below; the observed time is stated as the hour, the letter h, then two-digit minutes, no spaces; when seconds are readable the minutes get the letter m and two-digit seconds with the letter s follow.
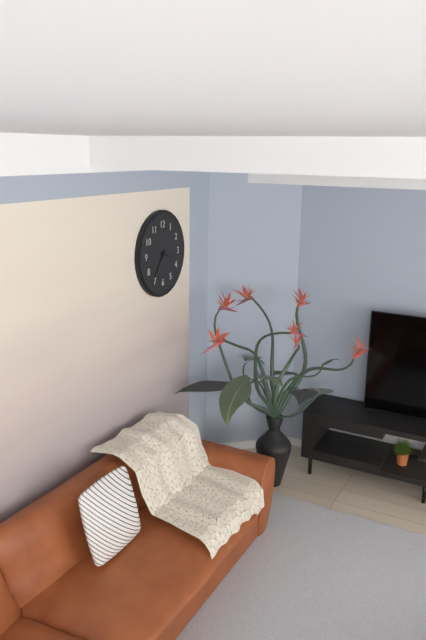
3h36
